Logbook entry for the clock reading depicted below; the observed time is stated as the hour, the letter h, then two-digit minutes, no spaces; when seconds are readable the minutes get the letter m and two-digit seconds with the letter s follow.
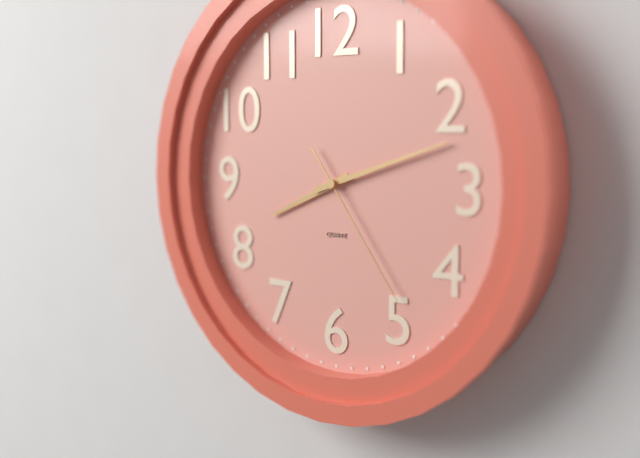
8h12m24s
